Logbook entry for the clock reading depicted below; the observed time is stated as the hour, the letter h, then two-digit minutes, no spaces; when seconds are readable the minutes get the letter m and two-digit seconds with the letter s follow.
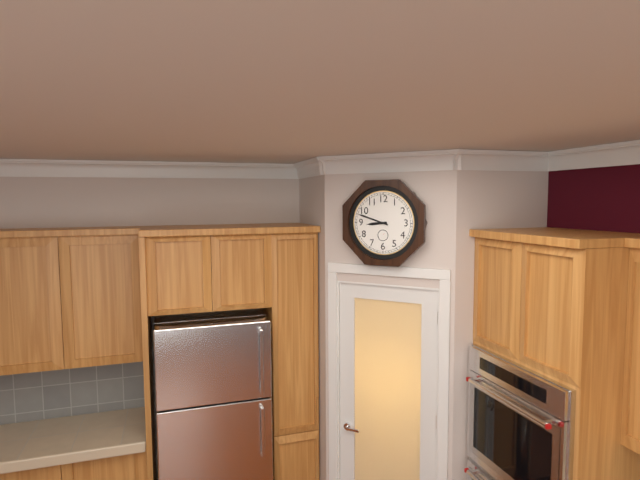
8h48
